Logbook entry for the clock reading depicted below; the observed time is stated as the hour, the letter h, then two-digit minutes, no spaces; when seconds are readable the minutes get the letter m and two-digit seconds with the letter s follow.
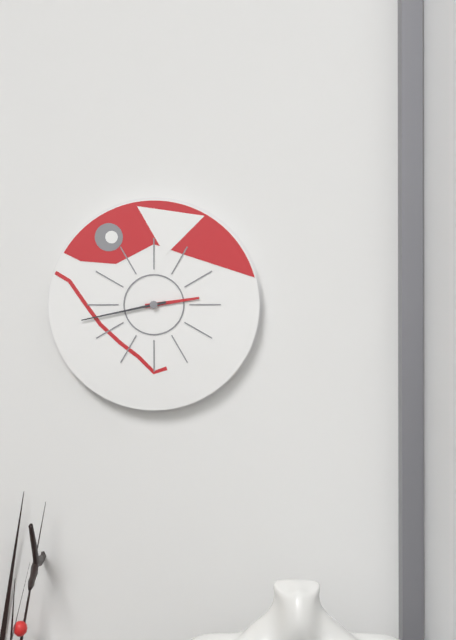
2h43
